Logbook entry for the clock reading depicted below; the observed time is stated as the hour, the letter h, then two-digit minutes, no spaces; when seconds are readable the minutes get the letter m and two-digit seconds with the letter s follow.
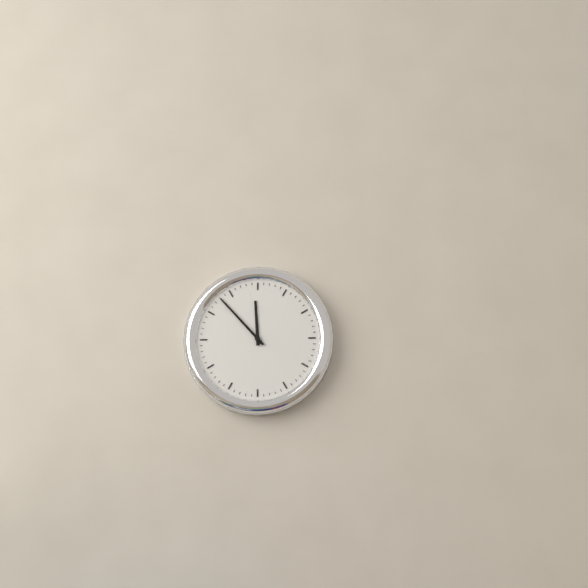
11h53
